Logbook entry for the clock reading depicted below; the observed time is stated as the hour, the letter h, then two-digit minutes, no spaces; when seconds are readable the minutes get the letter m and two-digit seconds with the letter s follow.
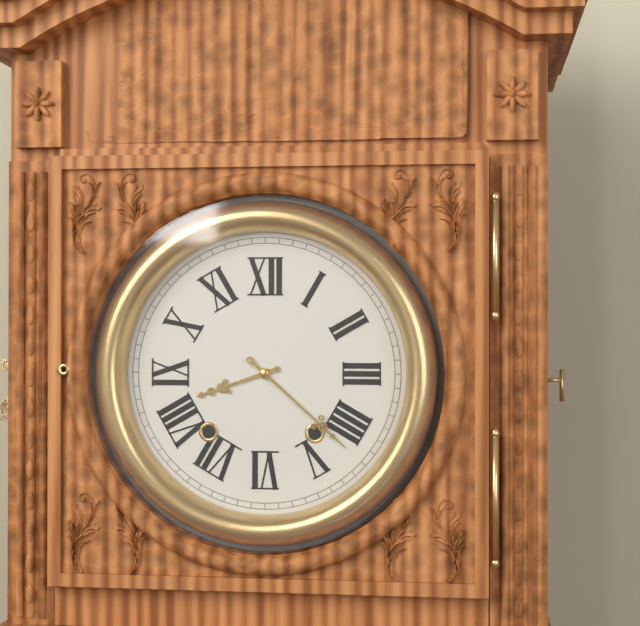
8h22
